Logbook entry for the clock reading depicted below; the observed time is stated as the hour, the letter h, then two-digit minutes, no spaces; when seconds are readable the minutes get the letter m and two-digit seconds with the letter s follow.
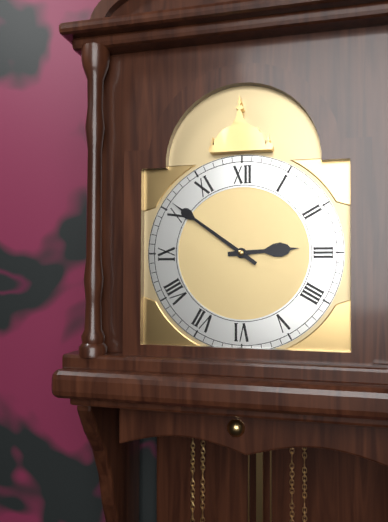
2h51
